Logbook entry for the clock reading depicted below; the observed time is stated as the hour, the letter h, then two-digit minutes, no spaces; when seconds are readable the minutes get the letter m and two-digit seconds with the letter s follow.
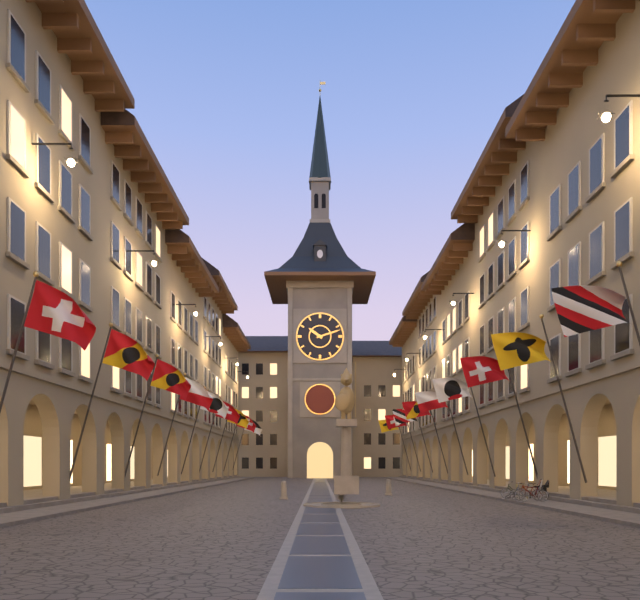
10h12
